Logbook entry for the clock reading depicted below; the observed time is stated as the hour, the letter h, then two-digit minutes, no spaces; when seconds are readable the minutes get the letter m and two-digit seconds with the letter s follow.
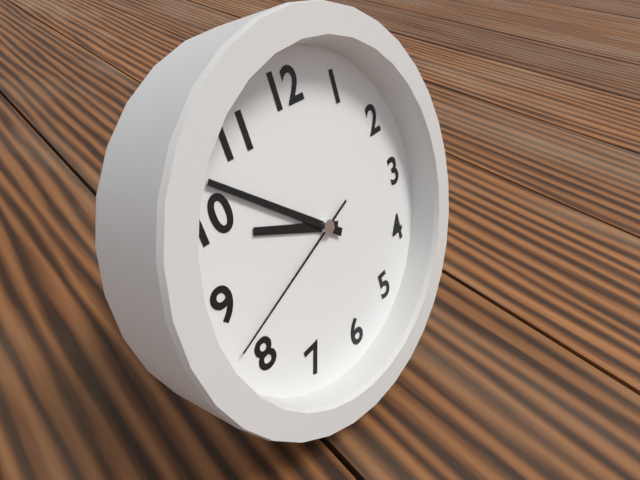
9h52m42s
